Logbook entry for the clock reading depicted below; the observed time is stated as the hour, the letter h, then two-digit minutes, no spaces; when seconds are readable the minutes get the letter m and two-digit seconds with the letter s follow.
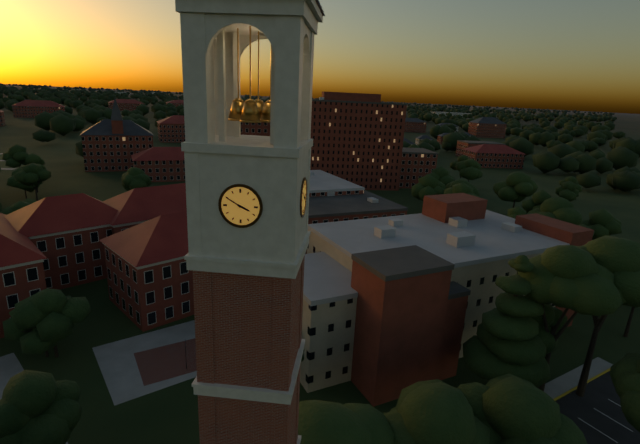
3h50
